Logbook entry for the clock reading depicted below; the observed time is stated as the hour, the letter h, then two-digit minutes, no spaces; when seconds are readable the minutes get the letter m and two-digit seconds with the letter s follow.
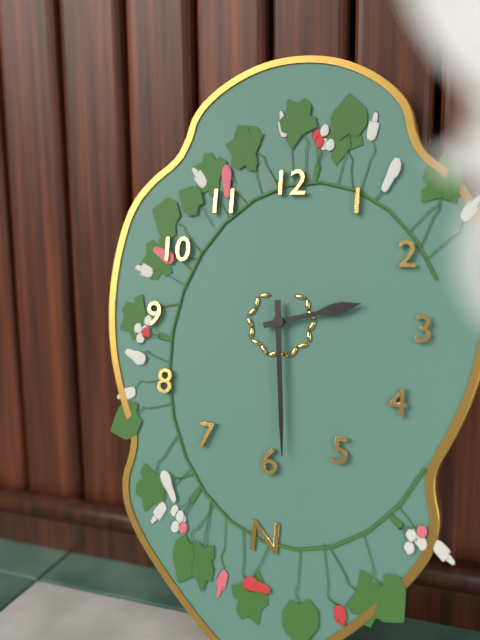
2h29
